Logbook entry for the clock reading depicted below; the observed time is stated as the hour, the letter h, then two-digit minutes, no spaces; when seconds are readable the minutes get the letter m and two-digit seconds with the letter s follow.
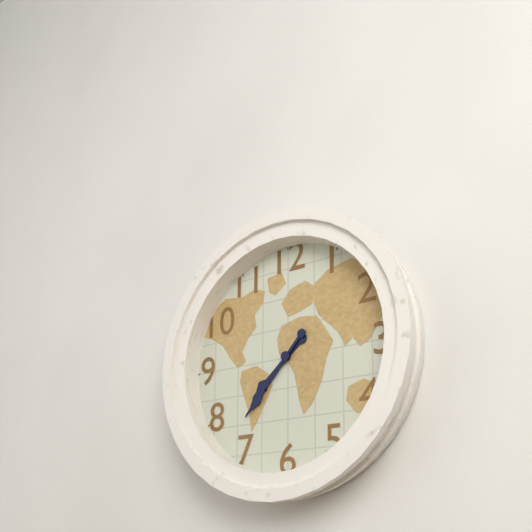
7h37
